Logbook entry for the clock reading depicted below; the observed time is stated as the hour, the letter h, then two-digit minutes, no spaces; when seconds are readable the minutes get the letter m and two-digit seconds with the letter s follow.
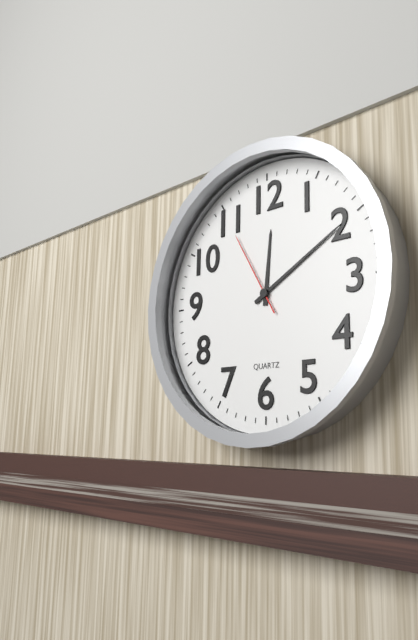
12h10m55s
